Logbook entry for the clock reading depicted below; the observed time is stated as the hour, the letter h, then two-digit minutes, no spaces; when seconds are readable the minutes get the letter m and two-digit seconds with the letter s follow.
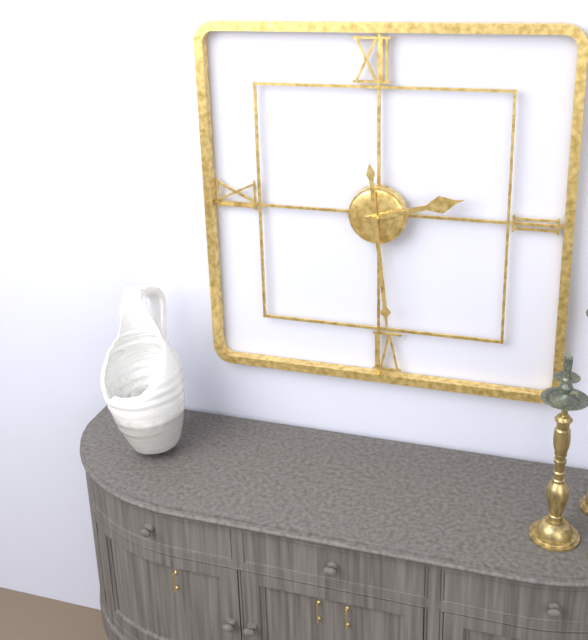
2h29
